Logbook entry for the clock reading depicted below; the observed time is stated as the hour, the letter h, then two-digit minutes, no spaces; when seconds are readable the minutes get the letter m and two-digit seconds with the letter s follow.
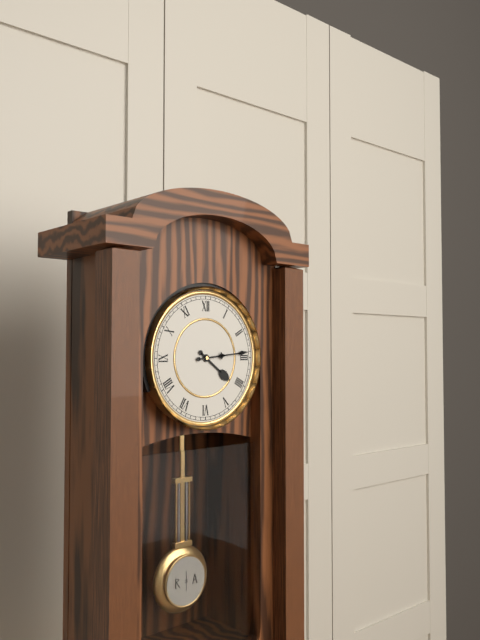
4h14
